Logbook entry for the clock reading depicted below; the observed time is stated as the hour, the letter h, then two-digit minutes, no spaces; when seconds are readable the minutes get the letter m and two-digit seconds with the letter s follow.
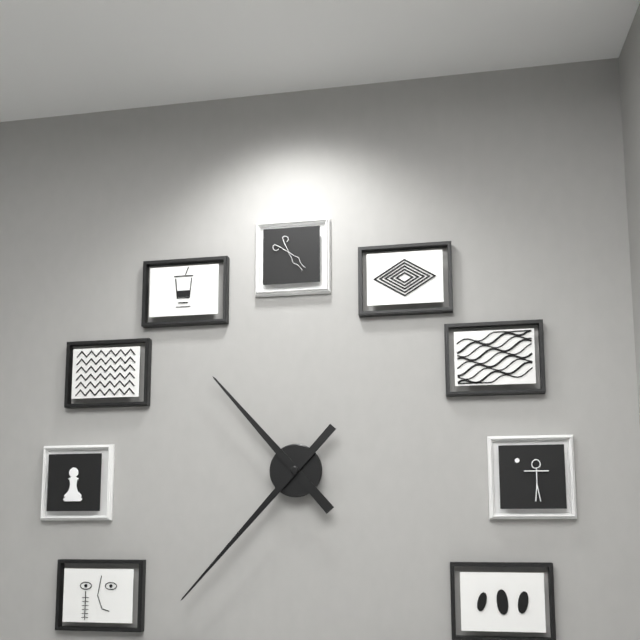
10h37
